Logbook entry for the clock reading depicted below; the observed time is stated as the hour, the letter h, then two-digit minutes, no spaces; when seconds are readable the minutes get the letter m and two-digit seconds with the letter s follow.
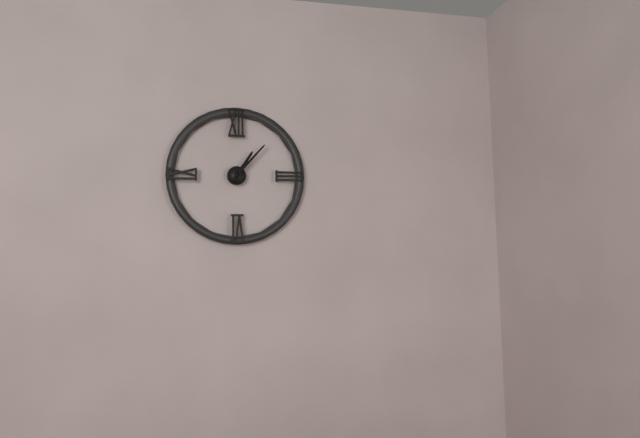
1h07
